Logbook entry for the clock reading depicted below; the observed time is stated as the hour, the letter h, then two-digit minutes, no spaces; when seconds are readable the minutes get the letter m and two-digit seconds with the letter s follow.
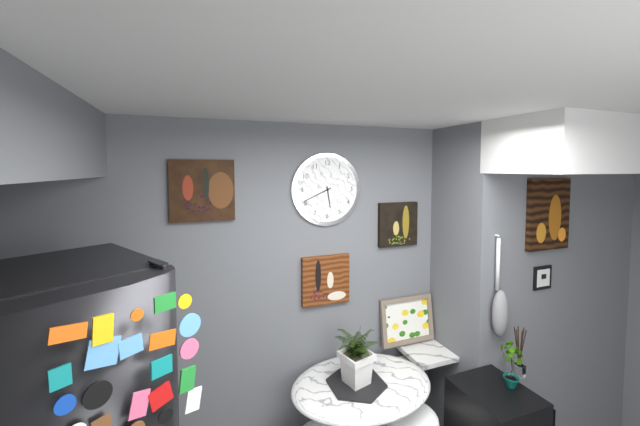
5h41
